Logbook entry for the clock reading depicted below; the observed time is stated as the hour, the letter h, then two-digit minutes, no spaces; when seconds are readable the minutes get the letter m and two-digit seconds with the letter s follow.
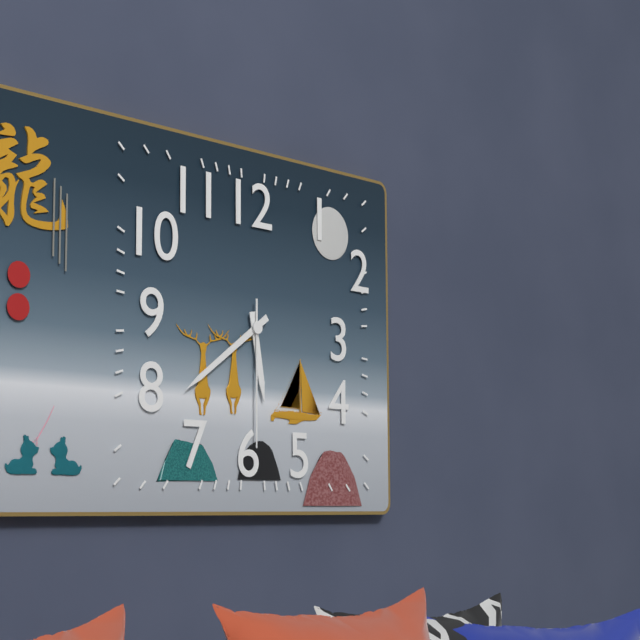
5h39m30s
